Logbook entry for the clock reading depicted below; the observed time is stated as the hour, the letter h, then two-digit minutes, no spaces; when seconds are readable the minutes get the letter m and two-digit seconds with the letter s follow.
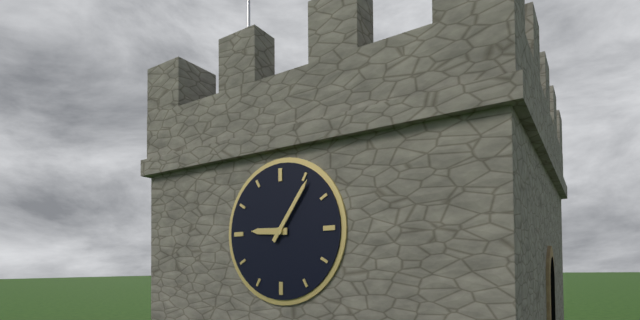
9h06
